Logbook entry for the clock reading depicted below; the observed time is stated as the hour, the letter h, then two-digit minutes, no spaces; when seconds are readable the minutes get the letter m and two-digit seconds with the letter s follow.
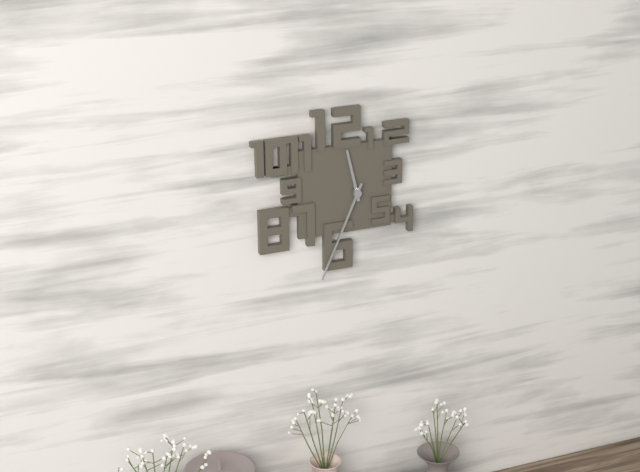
11h34
